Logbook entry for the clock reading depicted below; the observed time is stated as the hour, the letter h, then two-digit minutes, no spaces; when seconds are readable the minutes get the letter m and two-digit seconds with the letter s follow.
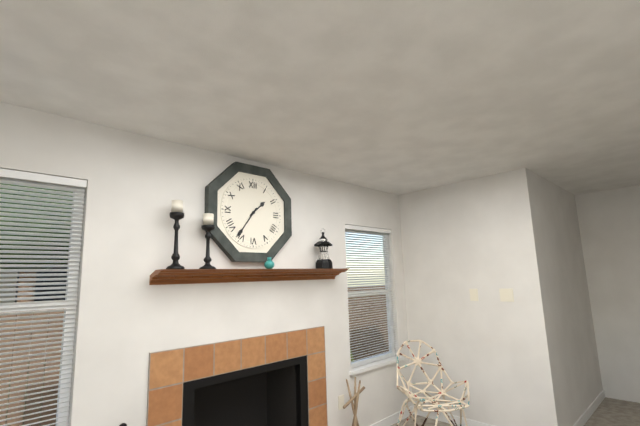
1h36
